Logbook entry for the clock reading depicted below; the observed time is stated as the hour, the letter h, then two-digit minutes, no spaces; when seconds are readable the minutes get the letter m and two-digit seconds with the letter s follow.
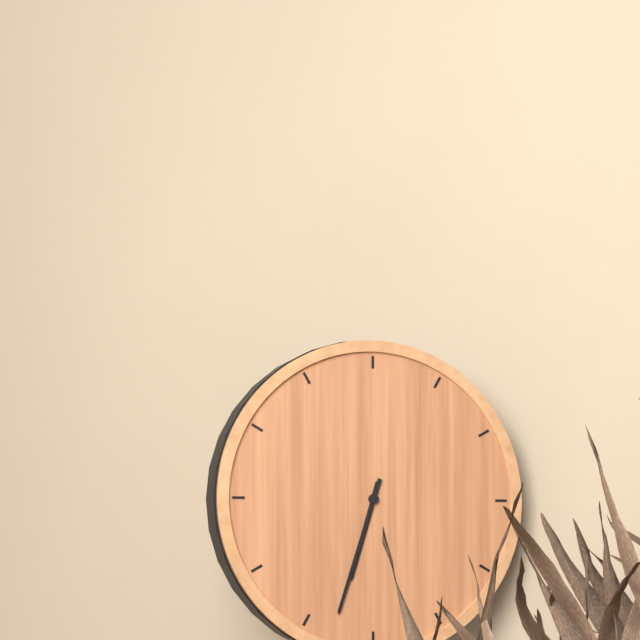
6h33
